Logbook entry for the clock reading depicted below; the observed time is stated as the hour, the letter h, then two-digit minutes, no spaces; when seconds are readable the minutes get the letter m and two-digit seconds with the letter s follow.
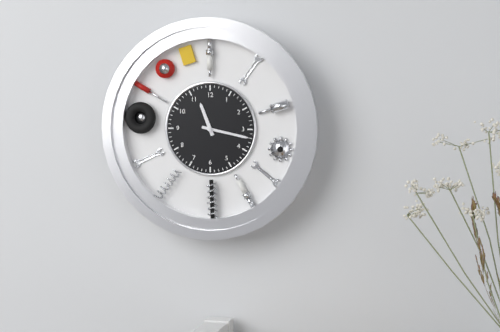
11h17
